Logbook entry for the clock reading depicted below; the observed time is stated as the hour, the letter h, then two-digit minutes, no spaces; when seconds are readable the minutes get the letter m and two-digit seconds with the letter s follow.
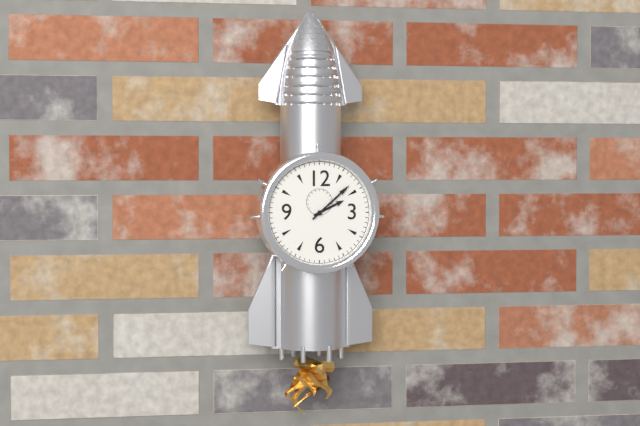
2h08
